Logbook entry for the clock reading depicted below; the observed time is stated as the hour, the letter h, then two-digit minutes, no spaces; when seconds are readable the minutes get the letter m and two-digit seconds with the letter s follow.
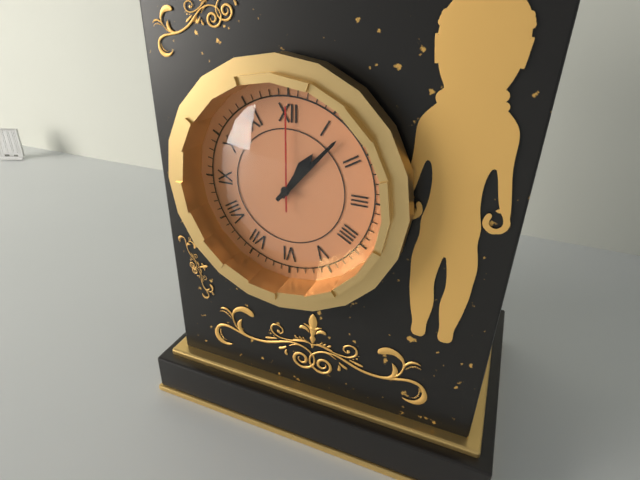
1h07m00s
